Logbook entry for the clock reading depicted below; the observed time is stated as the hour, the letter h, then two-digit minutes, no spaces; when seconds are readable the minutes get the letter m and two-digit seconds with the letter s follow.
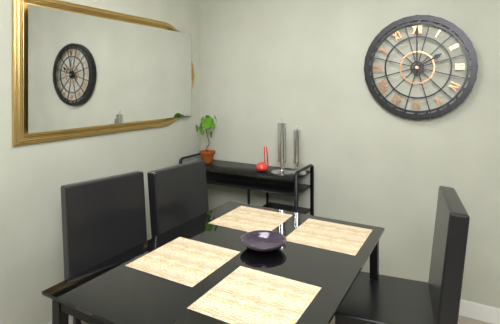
2h00
